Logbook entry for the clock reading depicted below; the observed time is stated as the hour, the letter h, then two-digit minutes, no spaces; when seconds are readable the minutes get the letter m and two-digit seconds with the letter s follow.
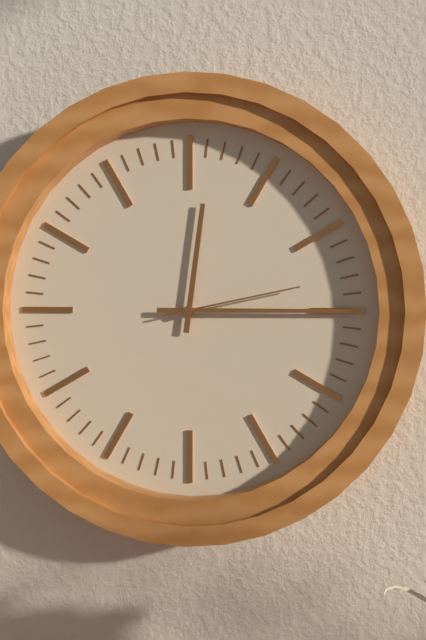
12h15m13s
